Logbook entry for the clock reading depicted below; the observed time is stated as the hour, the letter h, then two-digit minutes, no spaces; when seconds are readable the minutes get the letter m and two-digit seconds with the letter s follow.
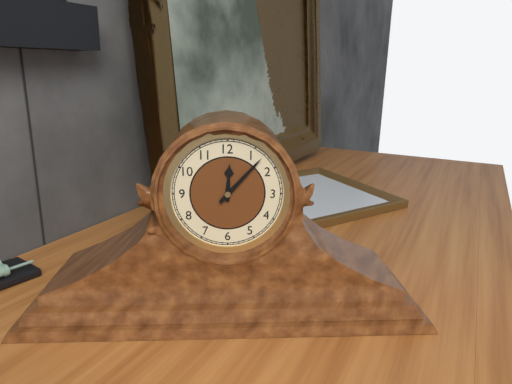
12h07
